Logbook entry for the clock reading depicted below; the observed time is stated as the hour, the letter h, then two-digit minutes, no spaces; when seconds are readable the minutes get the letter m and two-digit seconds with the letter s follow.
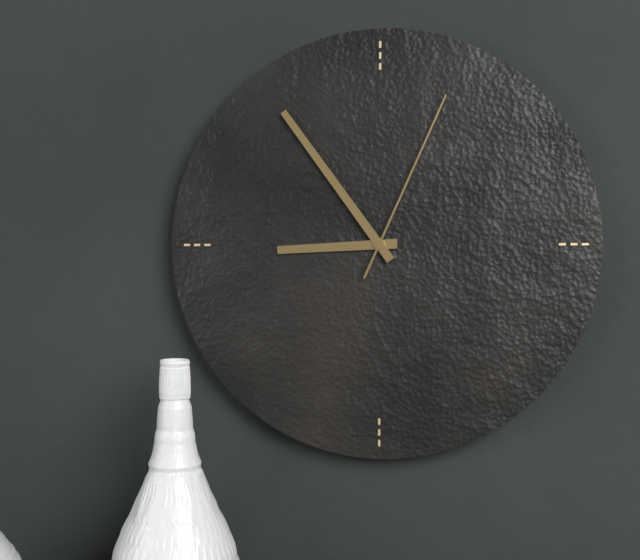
8h54m04s
